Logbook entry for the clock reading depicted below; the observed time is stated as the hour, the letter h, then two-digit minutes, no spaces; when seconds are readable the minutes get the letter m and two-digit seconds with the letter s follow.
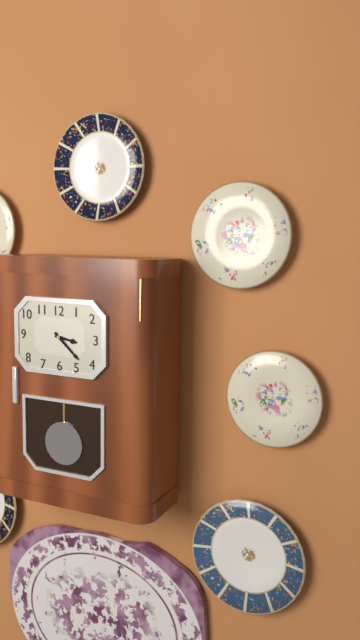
3h22
